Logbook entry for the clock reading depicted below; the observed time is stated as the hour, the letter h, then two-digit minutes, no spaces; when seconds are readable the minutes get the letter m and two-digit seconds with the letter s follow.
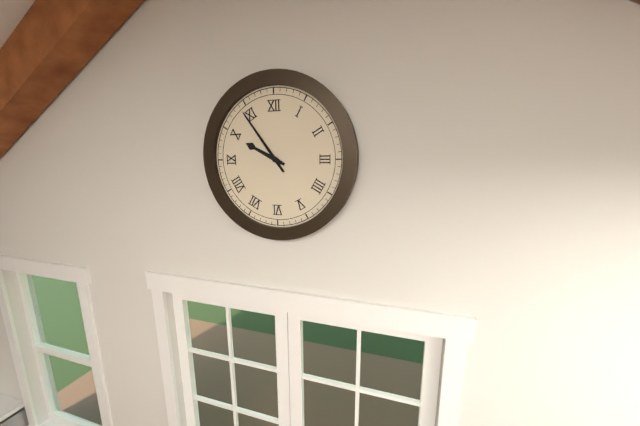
9h54
